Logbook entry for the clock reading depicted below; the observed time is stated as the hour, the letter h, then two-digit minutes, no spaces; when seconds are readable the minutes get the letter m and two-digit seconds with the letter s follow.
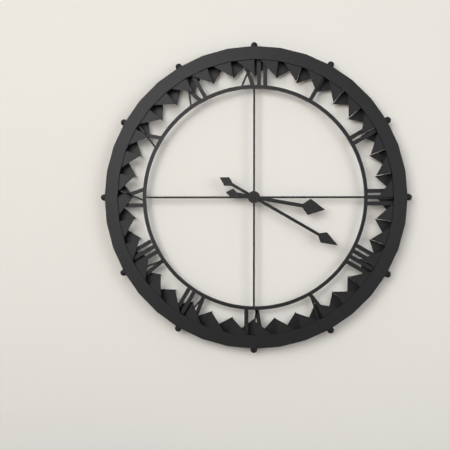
3h20
